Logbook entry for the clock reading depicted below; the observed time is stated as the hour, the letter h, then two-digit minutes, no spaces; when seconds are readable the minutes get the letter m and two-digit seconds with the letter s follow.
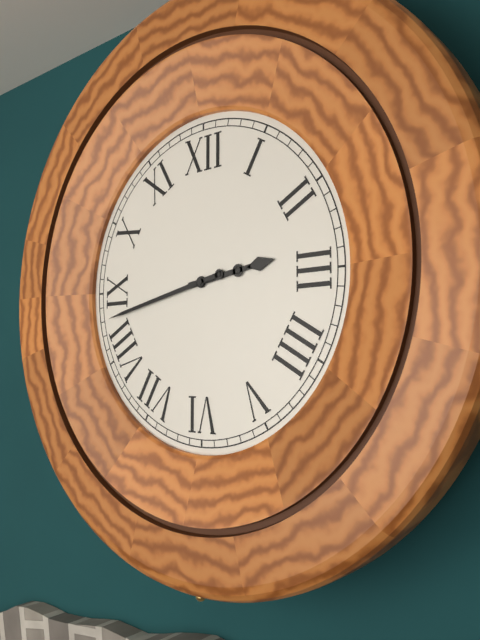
2h43
